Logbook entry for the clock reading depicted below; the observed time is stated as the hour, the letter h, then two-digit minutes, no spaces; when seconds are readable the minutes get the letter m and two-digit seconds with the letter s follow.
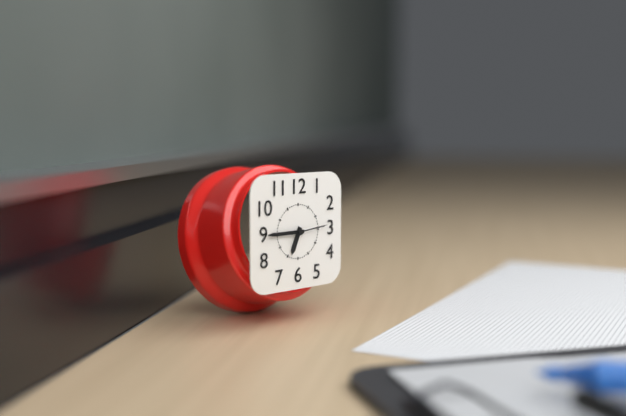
6h45
